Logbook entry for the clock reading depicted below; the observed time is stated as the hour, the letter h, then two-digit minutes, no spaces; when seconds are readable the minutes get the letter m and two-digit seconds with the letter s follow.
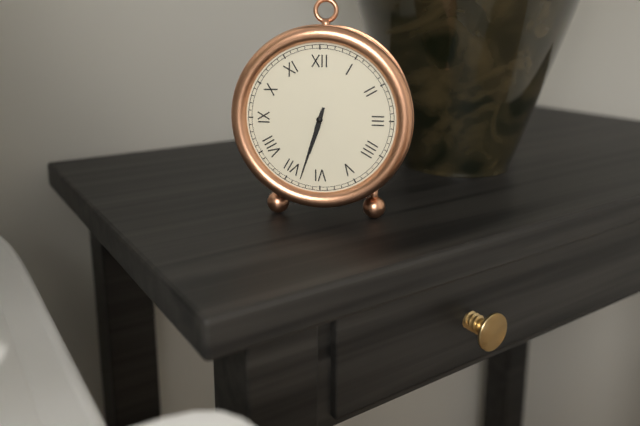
6h33
